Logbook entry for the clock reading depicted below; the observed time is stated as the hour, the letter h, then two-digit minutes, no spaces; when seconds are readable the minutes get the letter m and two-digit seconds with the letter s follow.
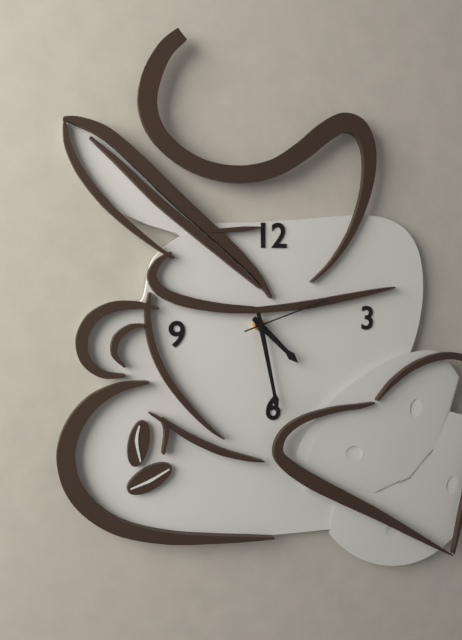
4h28m12s
